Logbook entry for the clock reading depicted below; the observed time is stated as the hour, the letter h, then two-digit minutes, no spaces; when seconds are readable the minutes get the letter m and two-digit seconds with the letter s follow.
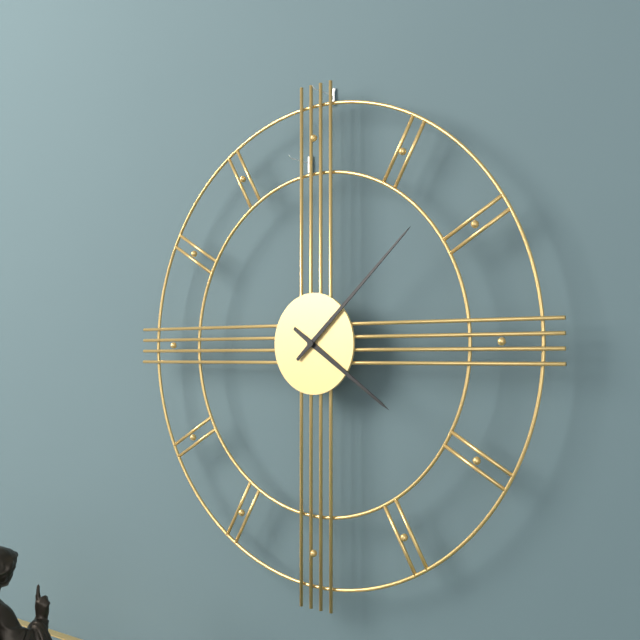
4h08
